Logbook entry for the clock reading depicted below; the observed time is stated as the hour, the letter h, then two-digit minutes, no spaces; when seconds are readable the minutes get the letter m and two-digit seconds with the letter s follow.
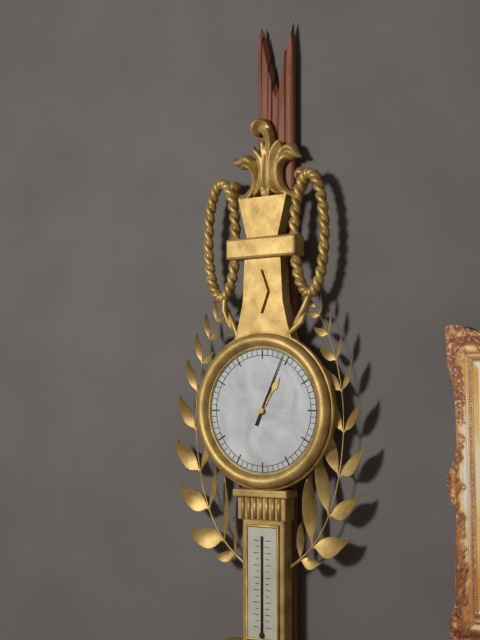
1h04
